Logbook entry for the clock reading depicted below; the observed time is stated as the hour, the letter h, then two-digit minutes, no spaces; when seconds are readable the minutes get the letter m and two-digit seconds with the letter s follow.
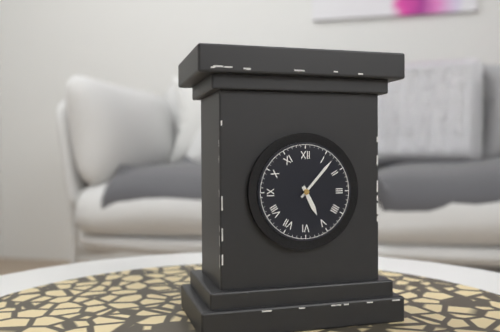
5h07
